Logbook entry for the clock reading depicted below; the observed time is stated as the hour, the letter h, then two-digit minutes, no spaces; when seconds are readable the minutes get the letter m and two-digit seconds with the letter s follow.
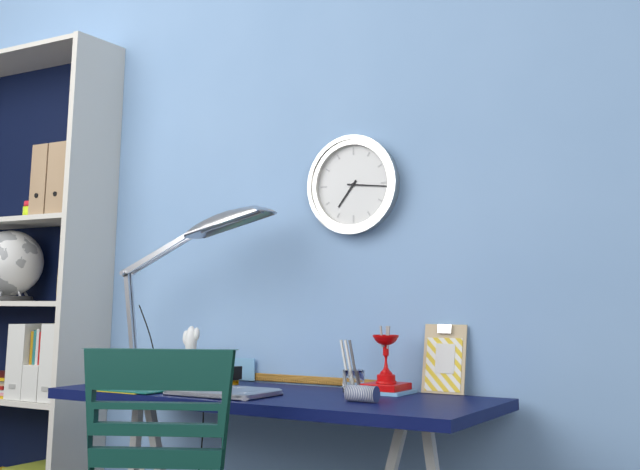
7h16
